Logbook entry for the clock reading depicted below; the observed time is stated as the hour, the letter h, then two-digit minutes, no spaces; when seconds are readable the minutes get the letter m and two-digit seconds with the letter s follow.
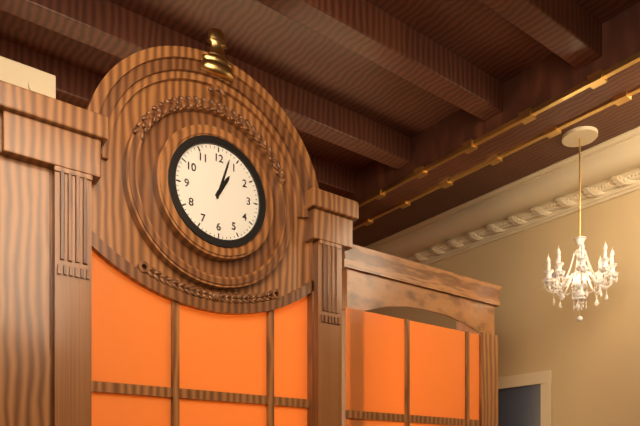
1h03
